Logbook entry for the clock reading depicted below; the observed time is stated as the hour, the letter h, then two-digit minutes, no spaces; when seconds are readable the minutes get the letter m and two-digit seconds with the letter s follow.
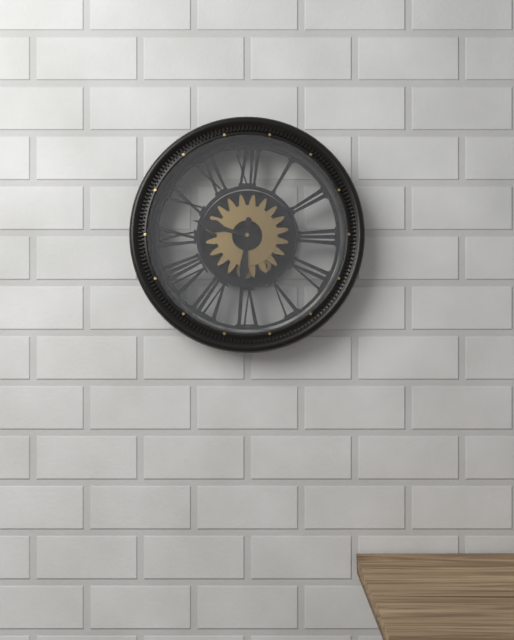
9h31
